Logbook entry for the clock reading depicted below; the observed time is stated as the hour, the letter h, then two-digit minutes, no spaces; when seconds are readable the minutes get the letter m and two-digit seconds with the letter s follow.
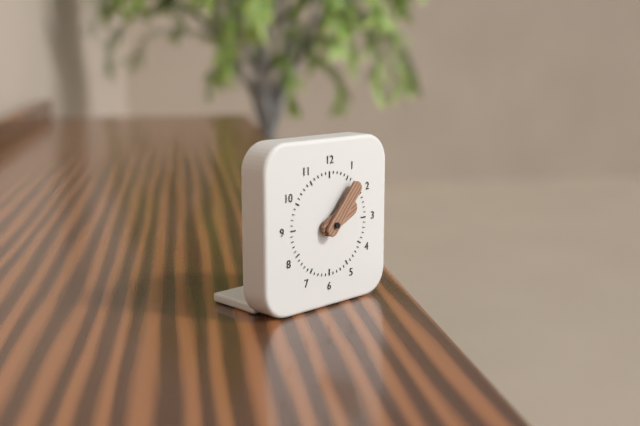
2h07
